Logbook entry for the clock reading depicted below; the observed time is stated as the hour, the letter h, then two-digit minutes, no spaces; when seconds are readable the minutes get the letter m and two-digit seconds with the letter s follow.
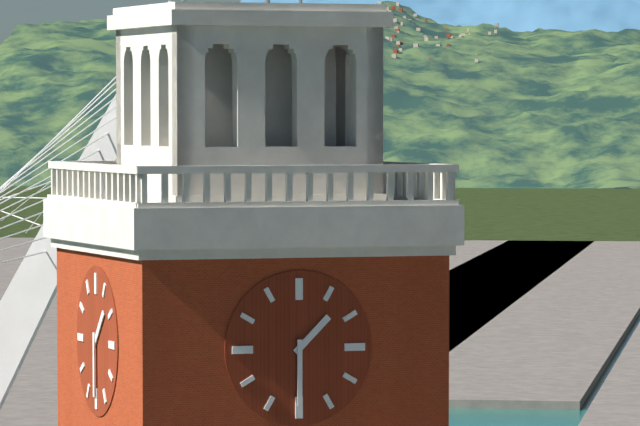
1h30
